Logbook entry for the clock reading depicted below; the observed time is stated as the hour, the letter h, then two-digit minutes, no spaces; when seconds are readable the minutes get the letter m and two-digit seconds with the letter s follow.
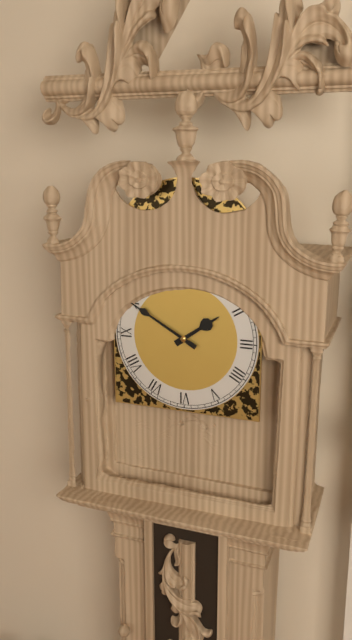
1h50
